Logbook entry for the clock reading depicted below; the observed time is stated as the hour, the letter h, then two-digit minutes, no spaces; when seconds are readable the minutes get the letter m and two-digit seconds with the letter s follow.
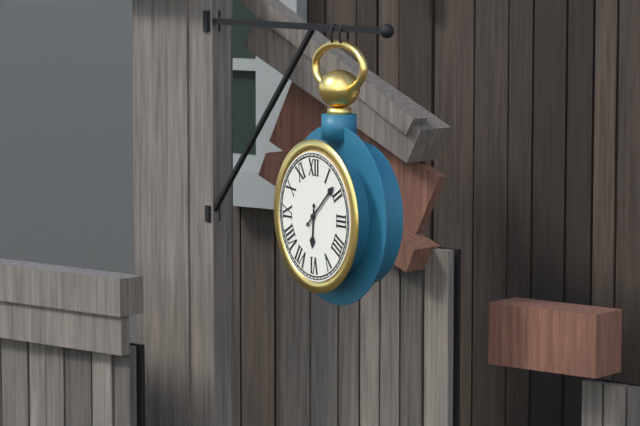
6h08
